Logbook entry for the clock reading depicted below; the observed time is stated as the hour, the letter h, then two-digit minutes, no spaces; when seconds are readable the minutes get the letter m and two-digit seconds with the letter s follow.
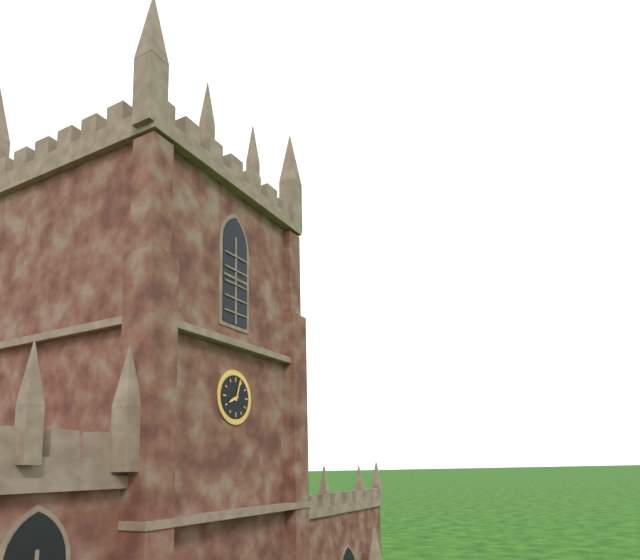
8h03
